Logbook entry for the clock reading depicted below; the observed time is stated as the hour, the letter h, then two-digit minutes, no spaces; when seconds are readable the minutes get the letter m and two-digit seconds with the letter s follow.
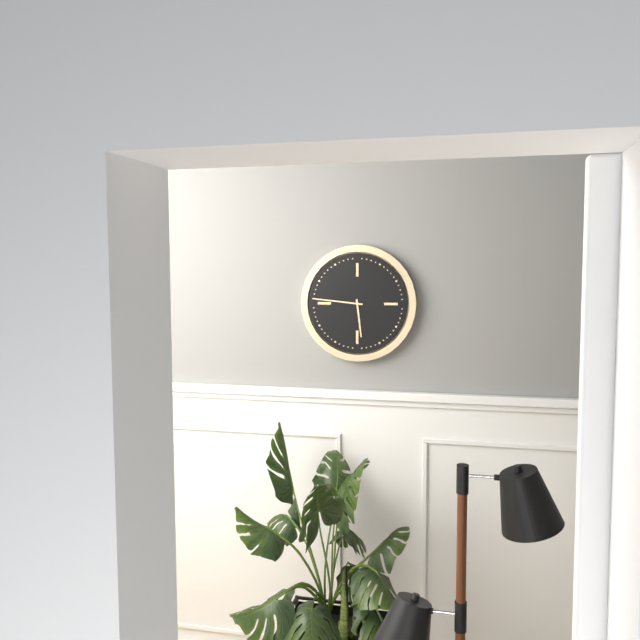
5h46
